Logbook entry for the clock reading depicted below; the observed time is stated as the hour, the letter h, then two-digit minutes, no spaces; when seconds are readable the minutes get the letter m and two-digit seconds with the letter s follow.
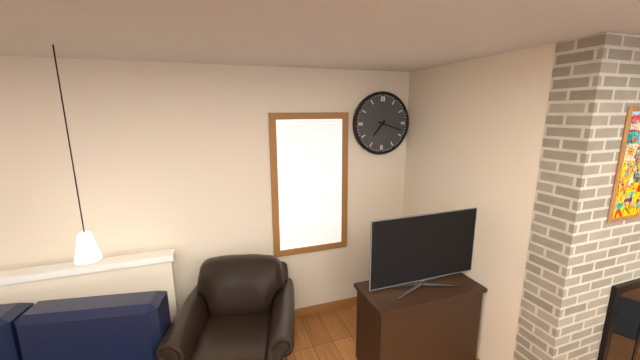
7h18
